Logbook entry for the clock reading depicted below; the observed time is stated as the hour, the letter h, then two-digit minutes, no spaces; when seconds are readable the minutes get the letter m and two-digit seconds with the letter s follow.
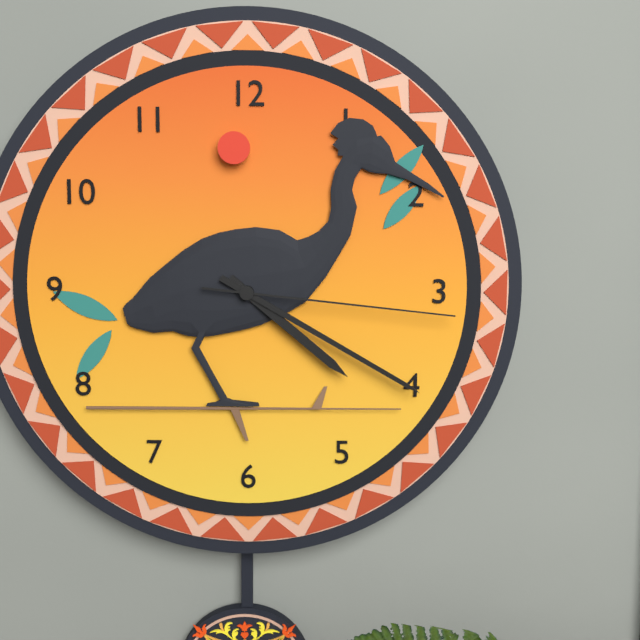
4h20m16s
